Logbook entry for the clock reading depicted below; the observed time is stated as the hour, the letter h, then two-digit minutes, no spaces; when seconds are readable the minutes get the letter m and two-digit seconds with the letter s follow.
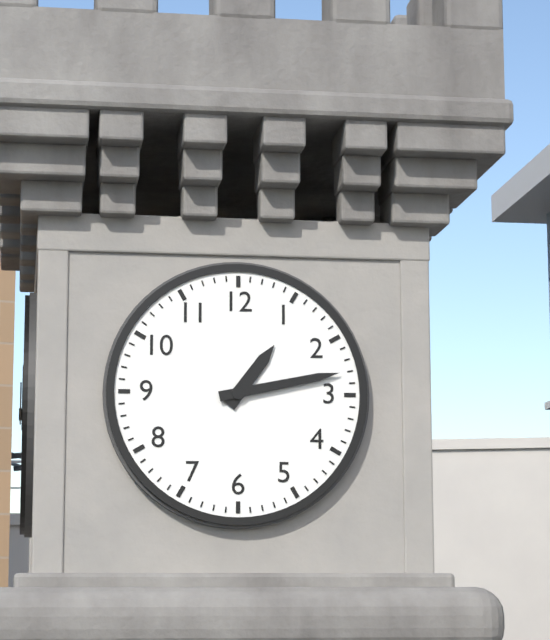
1h13
